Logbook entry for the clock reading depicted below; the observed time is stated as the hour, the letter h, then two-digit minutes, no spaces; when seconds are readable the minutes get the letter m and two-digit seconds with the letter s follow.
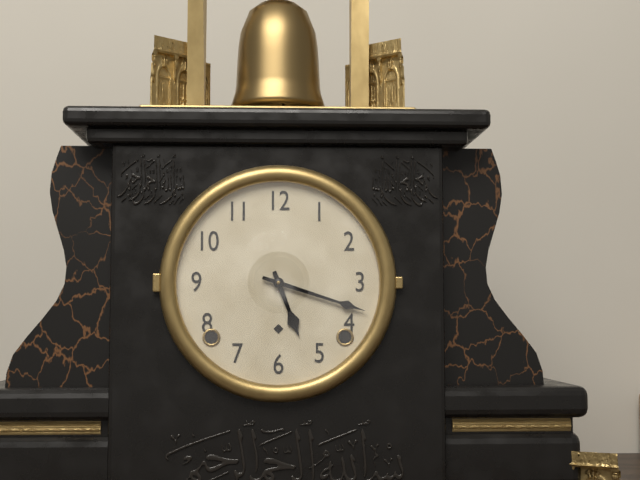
5h18
